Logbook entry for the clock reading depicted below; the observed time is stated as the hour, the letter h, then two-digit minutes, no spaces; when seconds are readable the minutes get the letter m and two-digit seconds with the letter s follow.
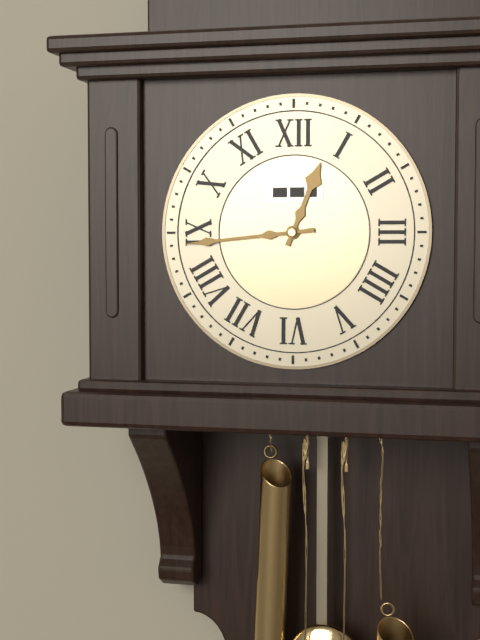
12h44
